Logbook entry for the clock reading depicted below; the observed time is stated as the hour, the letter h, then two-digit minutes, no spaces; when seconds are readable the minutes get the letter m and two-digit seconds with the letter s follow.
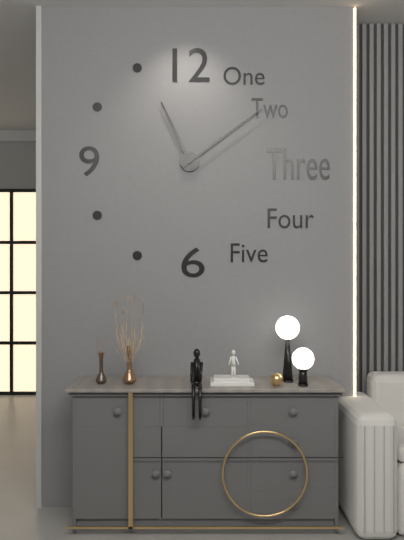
11h09
